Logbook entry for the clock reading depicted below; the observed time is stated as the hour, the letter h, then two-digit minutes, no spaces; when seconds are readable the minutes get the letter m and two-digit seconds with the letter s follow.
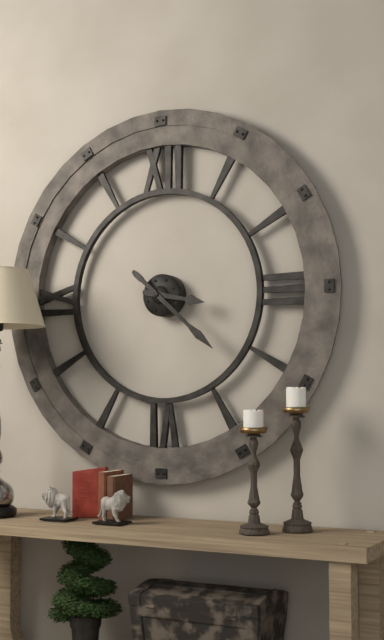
3h22
